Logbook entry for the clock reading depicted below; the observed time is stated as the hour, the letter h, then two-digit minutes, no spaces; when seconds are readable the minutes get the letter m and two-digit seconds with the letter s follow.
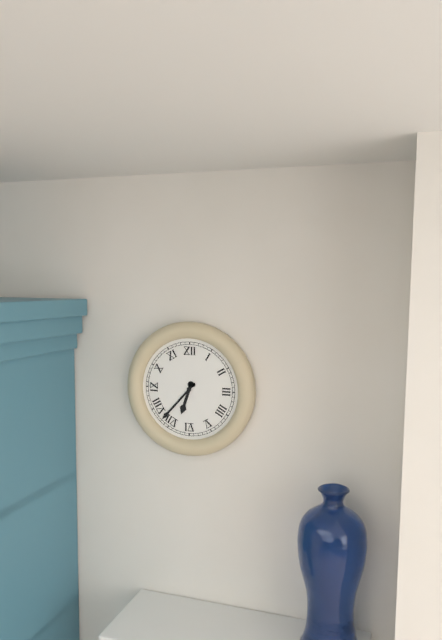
6h37
